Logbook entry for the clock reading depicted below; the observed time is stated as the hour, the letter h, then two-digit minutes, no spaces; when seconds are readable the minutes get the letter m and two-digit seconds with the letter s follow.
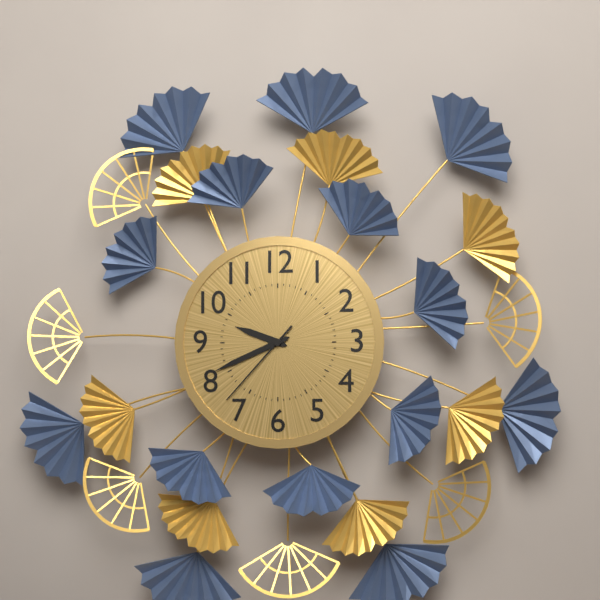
9h41m37s
